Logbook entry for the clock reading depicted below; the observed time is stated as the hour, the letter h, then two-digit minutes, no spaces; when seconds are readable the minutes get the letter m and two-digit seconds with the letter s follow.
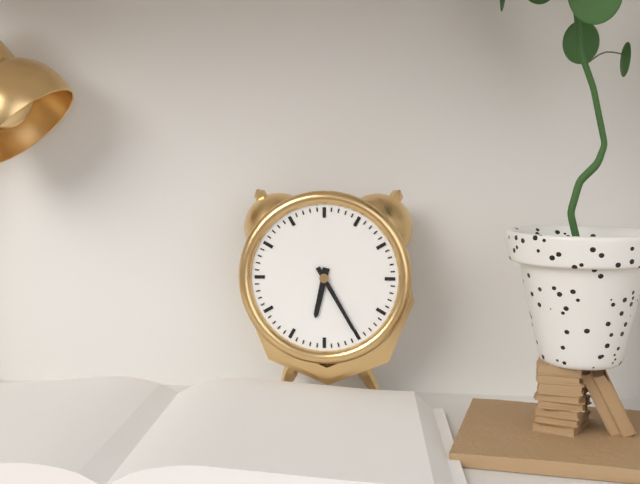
6h25
